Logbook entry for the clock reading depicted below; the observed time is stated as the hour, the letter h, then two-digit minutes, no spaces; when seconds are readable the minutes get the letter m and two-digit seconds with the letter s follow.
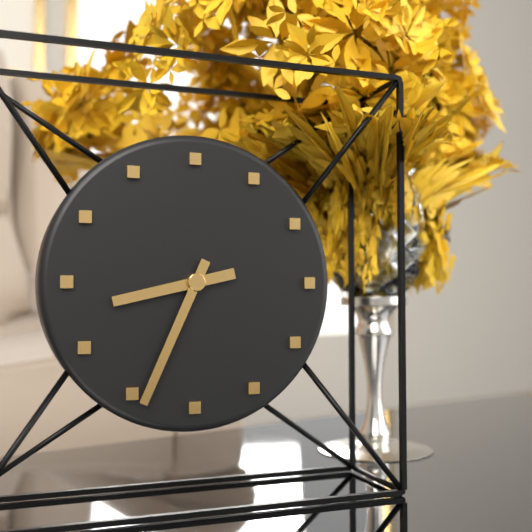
8h34
